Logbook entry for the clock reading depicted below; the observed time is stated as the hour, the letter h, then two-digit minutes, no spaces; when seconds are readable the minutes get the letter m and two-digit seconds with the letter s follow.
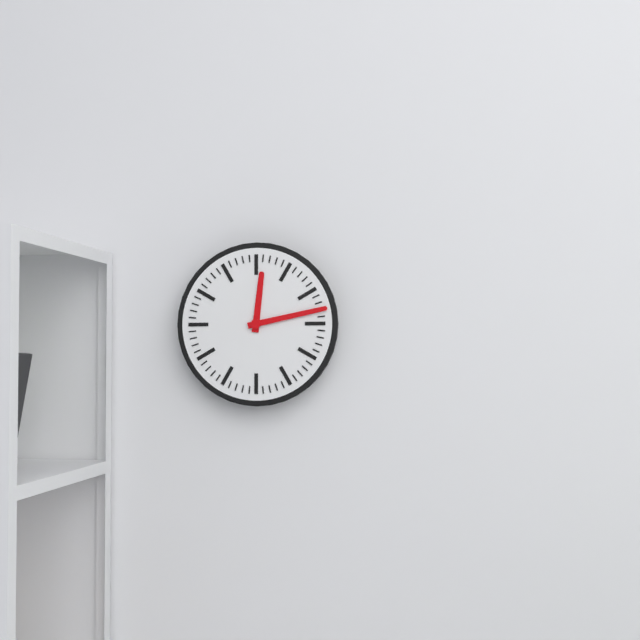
12h13
